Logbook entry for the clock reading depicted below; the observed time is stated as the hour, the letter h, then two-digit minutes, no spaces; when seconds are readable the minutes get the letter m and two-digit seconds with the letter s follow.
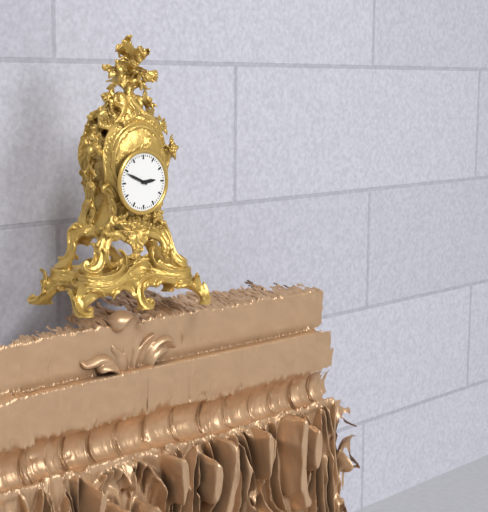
2h49
